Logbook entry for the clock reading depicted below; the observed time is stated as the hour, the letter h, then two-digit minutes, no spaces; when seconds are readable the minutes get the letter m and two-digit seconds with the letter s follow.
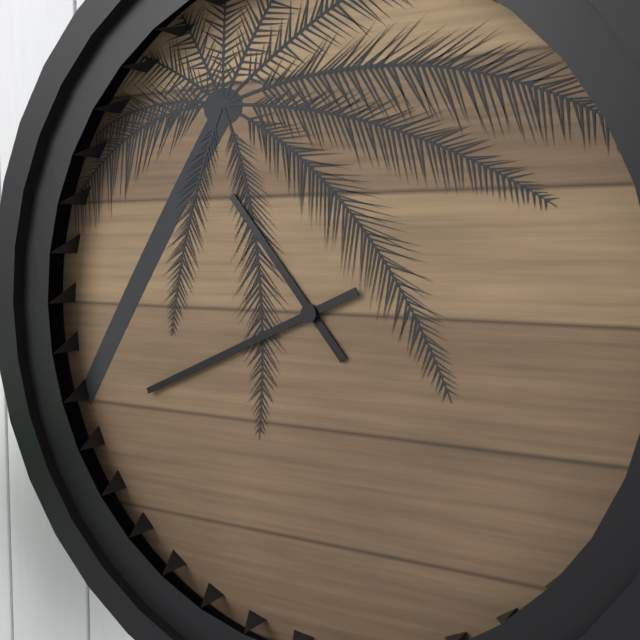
10h41
